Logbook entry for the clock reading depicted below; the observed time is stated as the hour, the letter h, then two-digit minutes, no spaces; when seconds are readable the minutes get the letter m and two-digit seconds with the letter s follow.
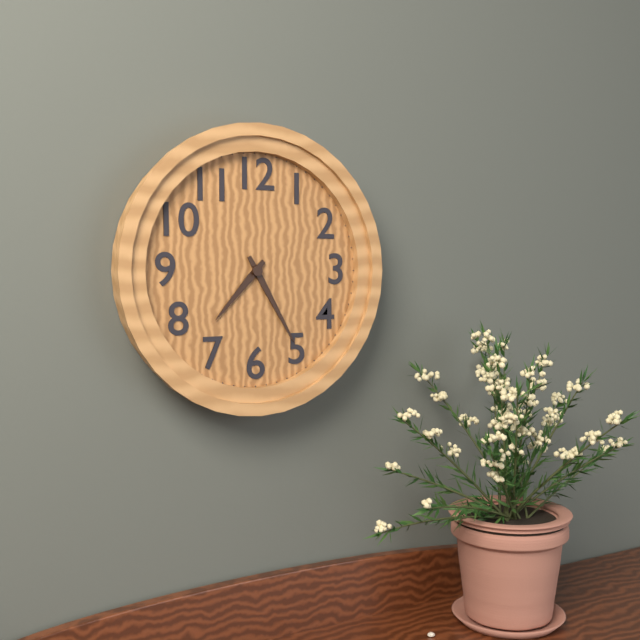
7h25
